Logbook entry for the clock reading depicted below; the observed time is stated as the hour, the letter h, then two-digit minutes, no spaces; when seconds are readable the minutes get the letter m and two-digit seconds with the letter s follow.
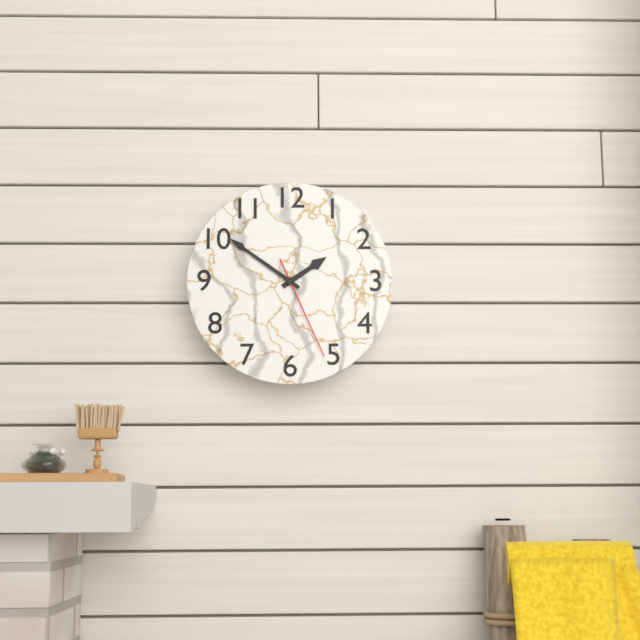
1h51m26s
